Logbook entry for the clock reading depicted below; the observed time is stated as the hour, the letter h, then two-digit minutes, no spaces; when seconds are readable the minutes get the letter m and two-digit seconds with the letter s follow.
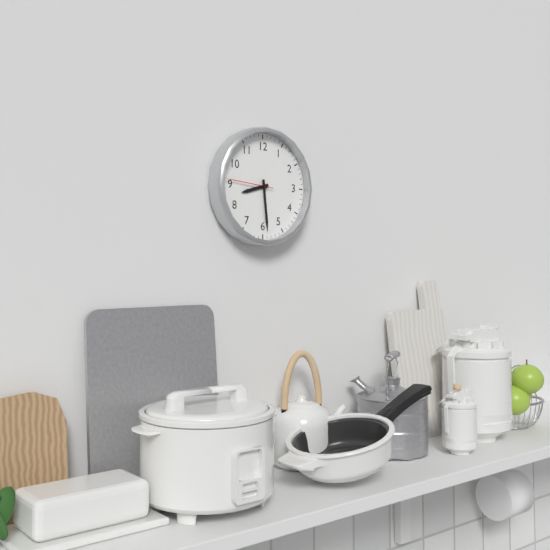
8h29m46s
